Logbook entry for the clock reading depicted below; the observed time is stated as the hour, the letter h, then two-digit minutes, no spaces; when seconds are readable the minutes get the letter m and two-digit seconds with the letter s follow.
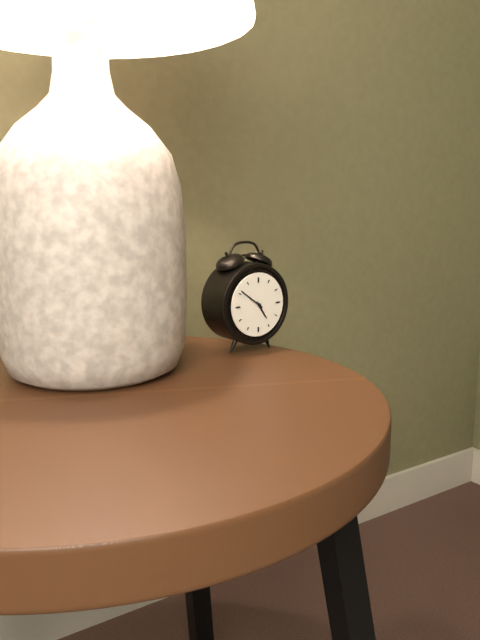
4h51
